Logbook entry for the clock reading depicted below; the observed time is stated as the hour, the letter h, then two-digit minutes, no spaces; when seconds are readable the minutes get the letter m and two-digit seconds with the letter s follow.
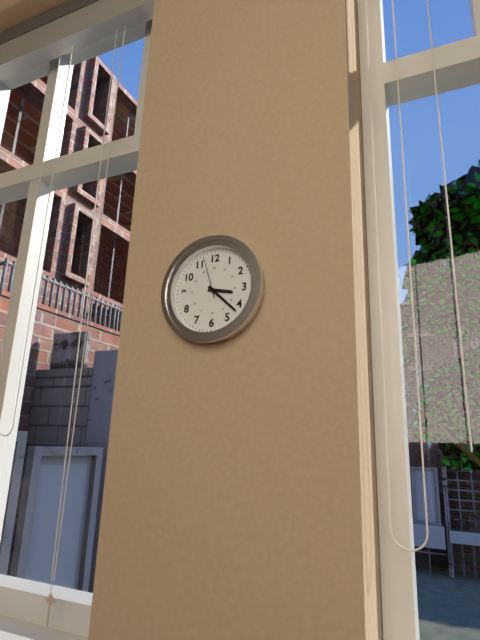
3h22
